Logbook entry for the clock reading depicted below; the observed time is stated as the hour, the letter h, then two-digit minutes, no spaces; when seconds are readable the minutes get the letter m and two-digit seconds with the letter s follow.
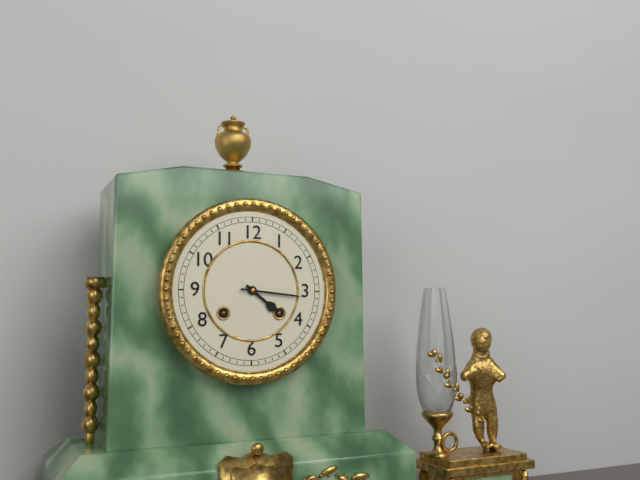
4h16
